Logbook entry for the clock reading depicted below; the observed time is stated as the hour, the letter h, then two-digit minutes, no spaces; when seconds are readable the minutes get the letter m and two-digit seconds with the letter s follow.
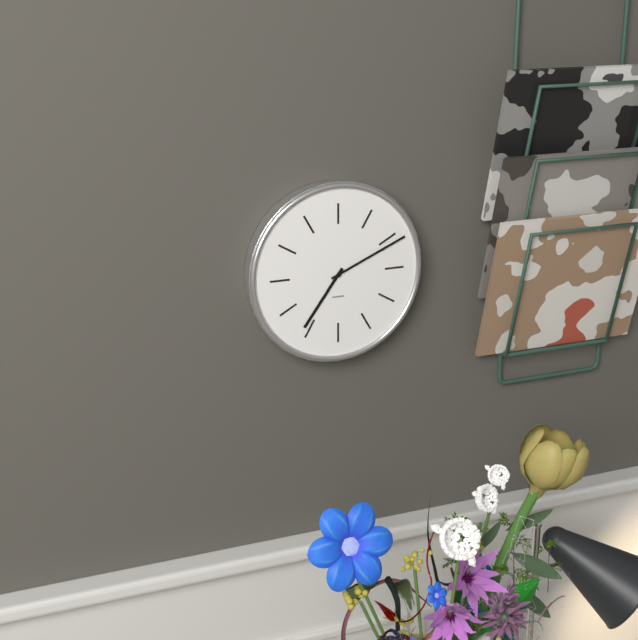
7h11
